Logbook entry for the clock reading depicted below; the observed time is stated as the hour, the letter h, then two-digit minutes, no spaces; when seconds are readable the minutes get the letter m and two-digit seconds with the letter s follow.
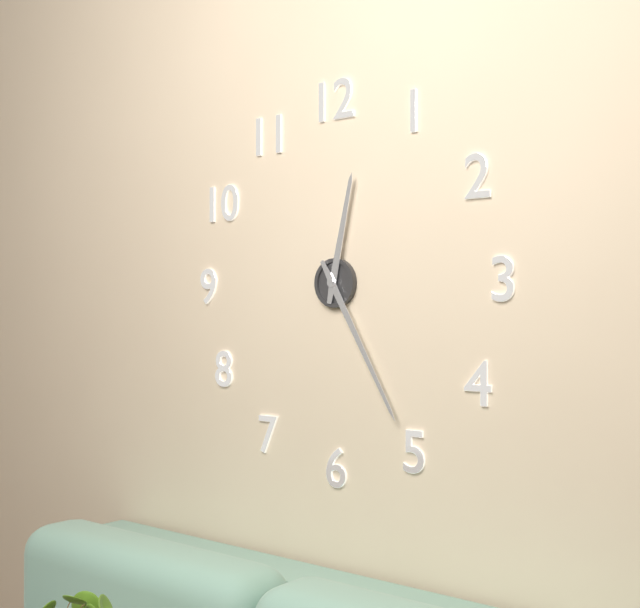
12h25
